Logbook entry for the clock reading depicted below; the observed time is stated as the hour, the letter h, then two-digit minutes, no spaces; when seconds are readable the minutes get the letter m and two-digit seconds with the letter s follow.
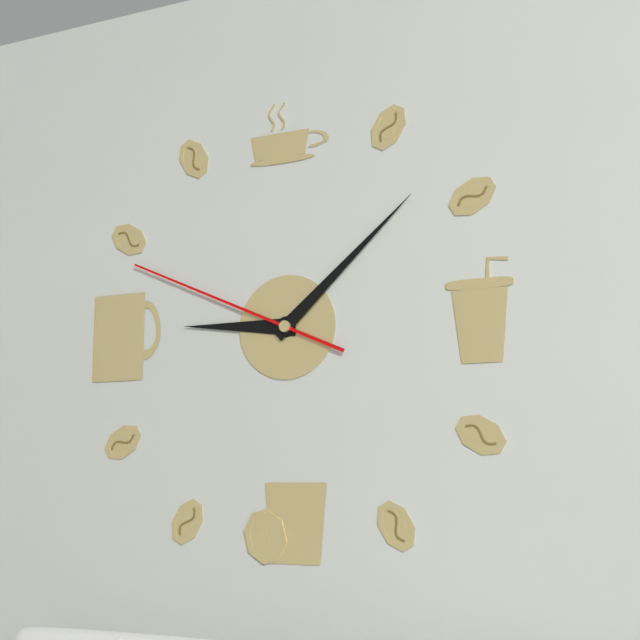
9h08m49s
